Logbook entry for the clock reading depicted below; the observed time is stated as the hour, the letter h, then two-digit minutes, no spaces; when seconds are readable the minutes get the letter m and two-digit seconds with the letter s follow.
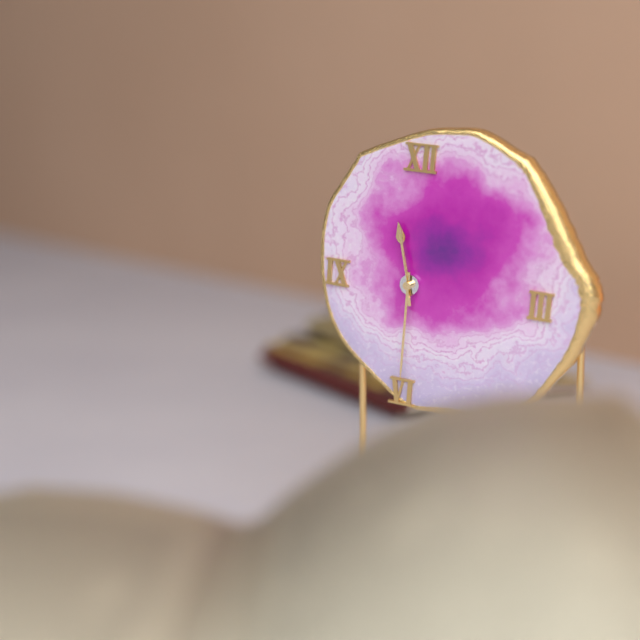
11h30m58s
